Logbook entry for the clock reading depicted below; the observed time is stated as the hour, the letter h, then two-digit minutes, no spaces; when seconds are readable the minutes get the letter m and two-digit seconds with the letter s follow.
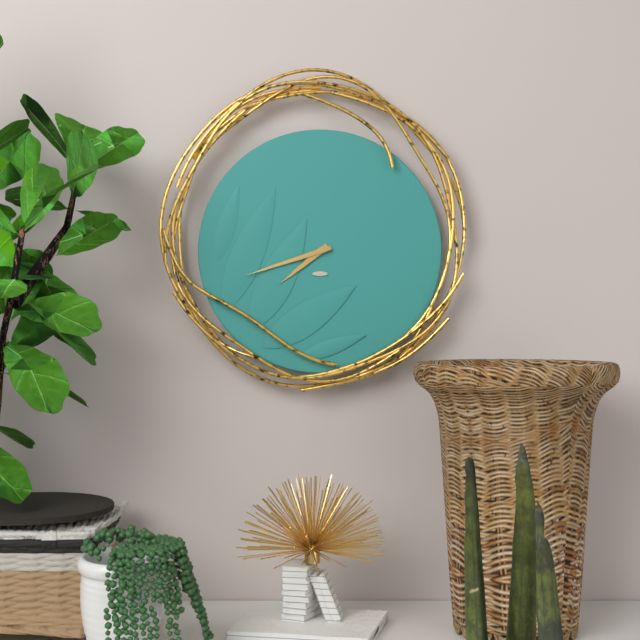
7h42
